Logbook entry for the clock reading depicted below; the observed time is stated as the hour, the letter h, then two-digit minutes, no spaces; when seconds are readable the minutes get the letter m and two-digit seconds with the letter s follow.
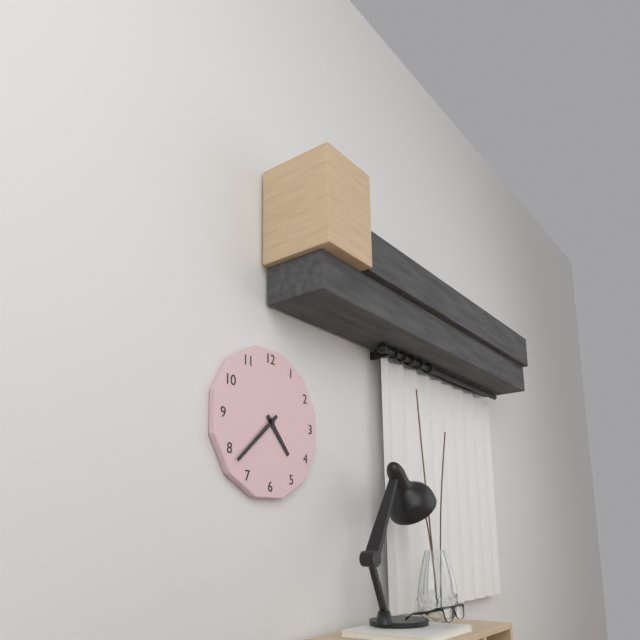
4h38
